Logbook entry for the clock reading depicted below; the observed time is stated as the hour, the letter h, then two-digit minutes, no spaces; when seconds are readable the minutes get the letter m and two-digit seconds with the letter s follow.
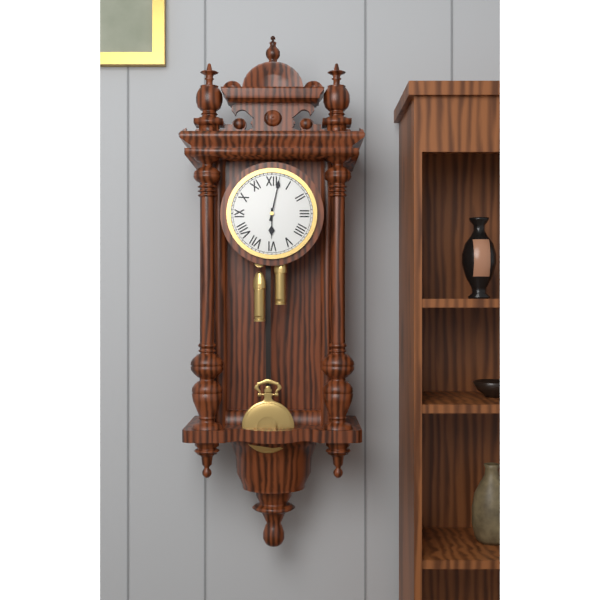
6h02
